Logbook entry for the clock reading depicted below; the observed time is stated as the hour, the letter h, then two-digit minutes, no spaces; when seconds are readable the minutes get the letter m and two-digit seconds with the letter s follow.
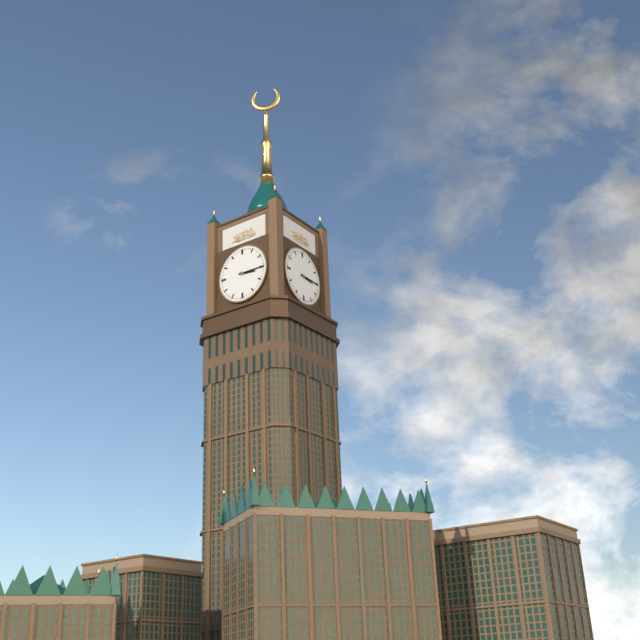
3h15
